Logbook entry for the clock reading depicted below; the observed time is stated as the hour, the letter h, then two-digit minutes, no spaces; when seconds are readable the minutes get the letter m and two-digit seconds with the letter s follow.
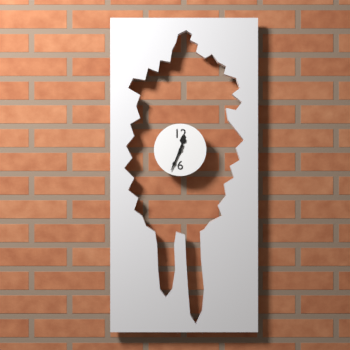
12h34
